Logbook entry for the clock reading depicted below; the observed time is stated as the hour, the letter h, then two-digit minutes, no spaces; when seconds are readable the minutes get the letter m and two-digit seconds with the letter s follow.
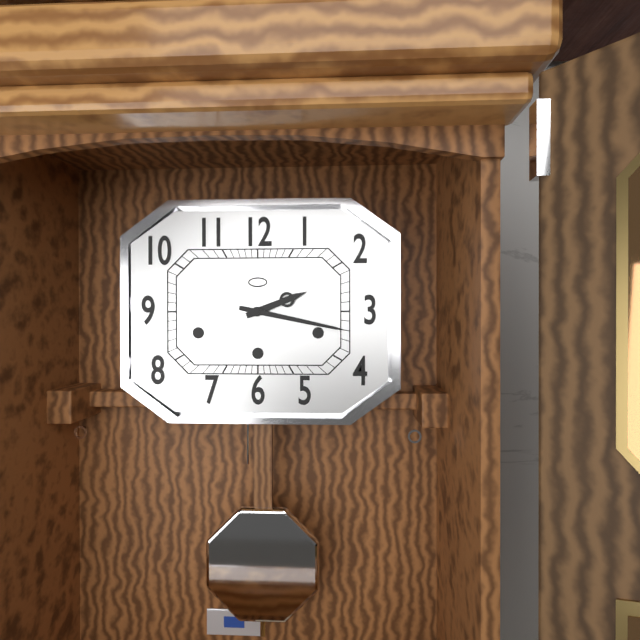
2h17
